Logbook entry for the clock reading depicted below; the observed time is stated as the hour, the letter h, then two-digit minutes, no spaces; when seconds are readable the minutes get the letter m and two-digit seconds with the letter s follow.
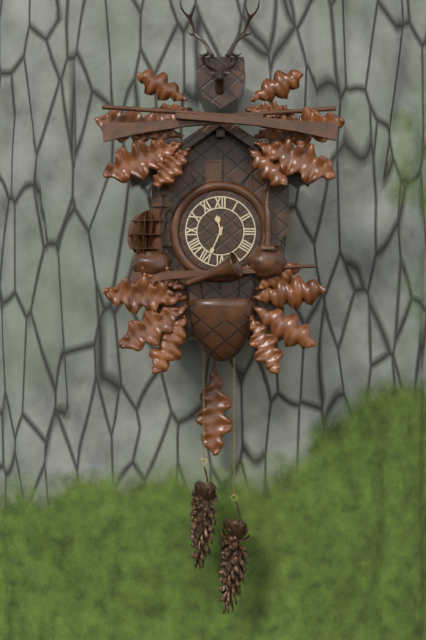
11h34
